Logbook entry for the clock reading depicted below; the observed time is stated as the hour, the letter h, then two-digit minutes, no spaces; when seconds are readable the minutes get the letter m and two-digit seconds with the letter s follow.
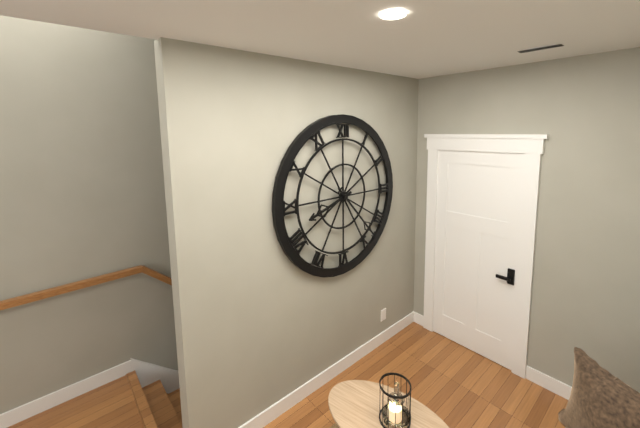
8h23
